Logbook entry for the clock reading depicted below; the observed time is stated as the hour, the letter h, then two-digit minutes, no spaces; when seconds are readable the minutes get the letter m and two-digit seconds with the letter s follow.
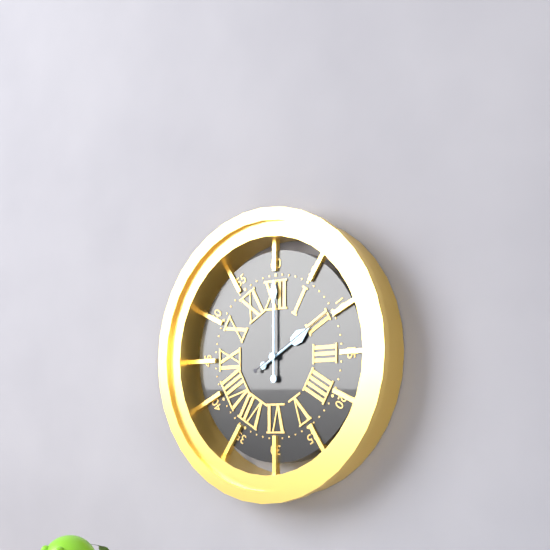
2h00m10s
